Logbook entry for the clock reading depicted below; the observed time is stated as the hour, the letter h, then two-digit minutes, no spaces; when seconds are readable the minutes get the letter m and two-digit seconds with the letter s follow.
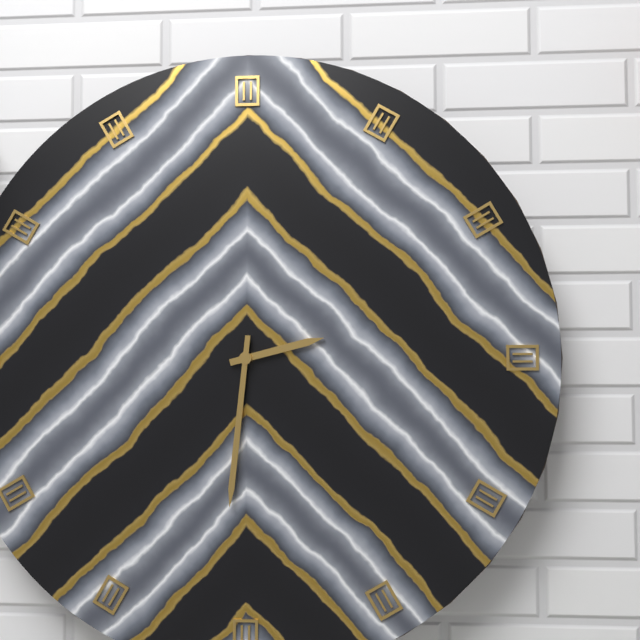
2h31
